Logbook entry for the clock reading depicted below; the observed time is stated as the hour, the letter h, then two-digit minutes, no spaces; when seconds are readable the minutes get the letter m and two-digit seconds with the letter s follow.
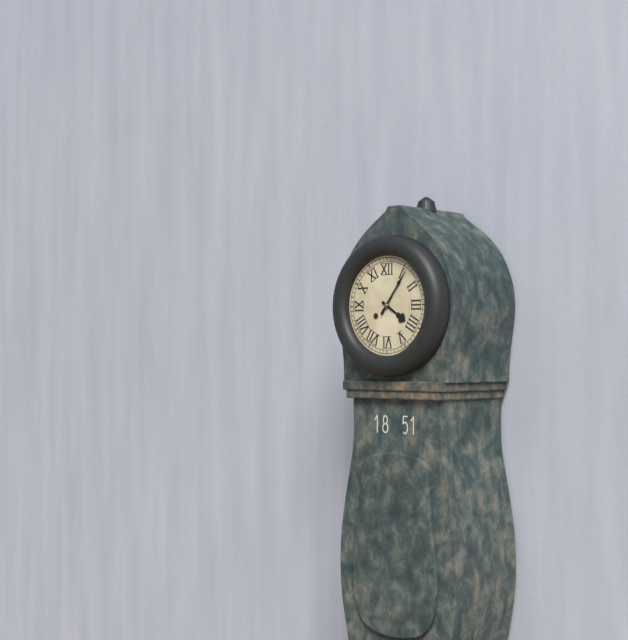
4h06
